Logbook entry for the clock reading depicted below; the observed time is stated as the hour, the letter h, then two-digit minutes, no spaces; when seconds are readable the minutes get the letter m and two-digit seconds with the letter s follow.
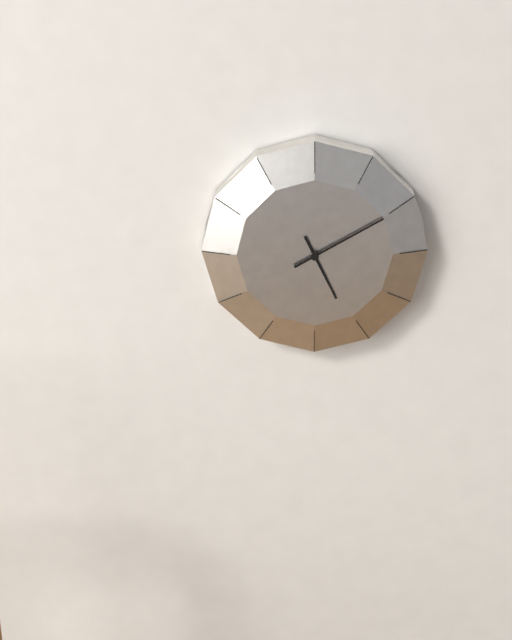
5h10
